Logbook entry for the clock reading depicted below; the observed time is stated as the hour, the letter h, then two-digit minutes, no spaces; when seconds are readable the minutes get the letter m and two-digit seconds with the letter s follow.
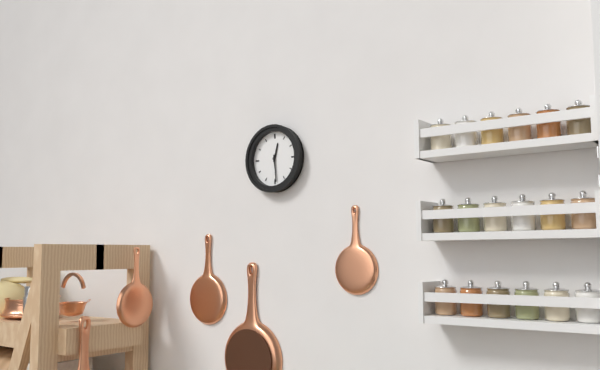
12h29
